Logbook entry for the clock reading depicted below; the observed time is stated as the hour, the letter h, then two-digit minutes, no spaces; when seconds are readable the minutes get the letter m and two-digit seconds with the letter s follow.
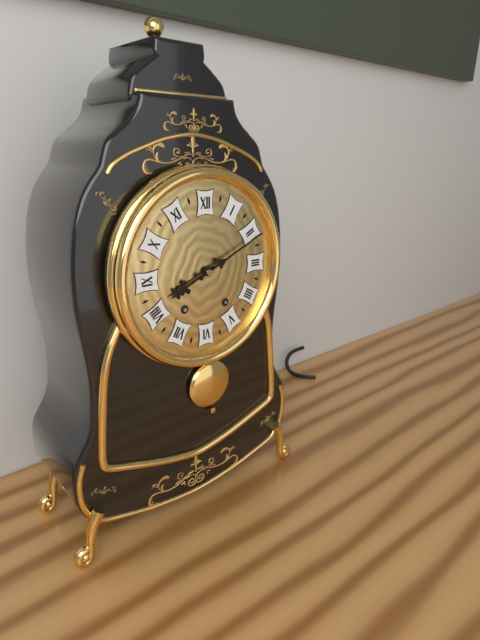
8h11
